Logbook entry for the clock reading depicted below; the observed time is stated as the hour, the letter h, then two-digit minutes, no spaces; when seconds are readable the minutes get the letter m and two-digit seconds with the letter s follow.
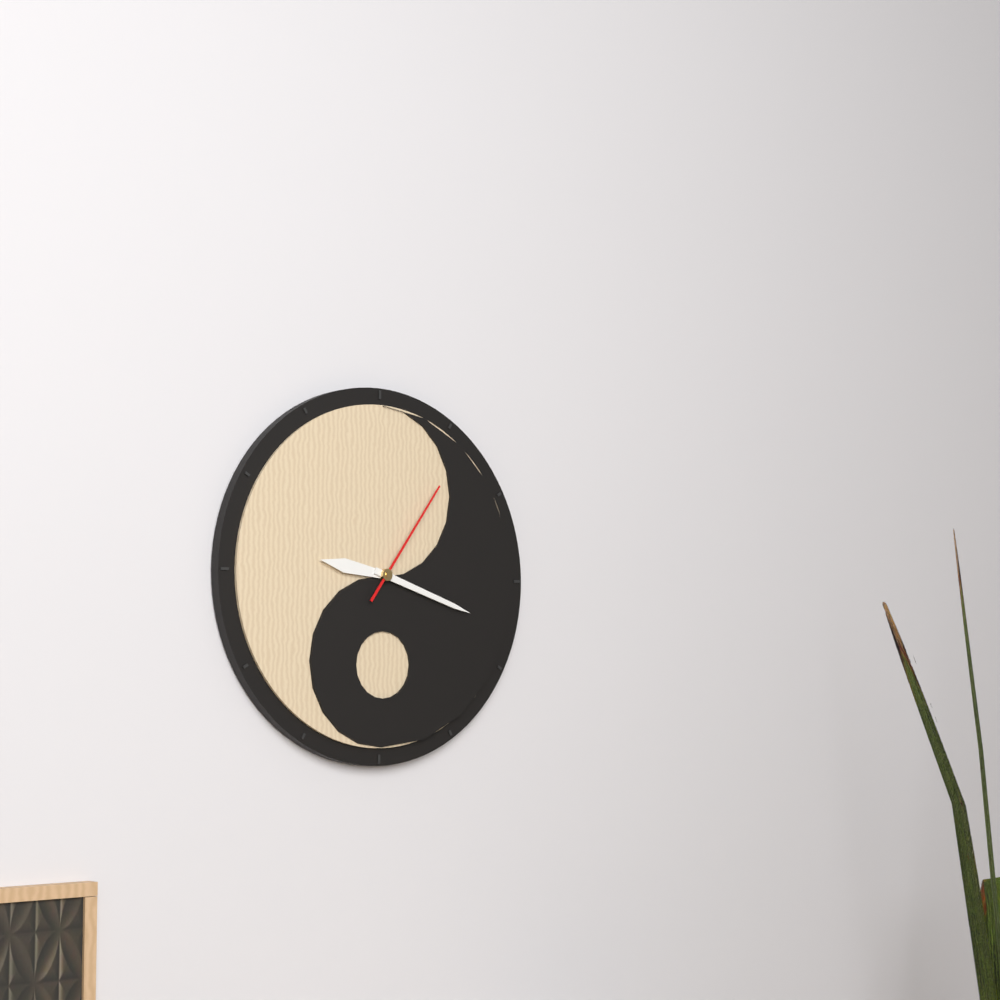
9h18m06s
